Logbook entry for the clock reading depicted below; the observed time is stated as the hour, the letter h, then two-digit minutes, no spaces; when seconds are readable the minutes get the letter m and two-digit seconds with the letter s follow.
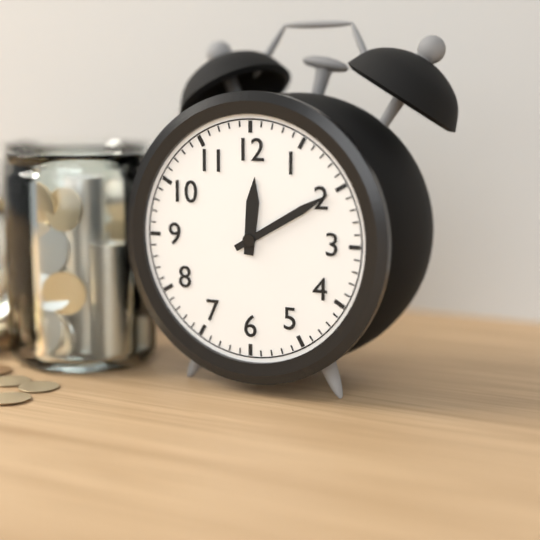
12h10
